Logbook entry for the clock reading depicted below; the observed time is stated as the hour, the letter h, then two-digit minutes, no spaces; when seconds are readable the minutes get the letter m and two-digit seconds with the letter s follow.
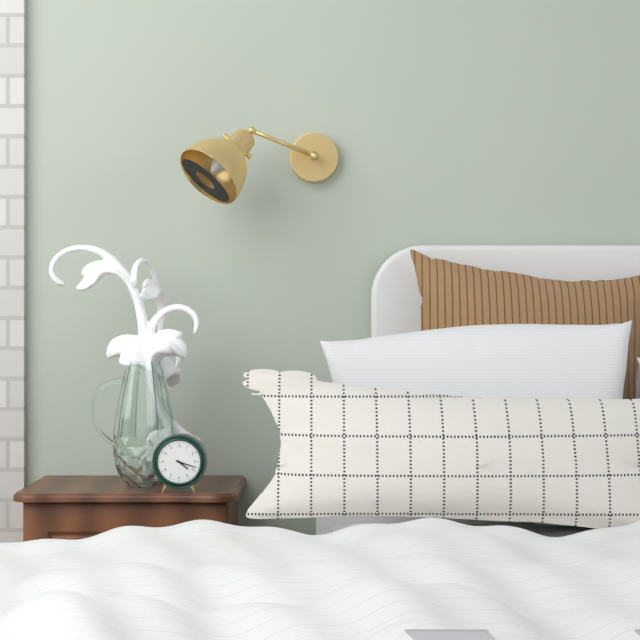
4h18
